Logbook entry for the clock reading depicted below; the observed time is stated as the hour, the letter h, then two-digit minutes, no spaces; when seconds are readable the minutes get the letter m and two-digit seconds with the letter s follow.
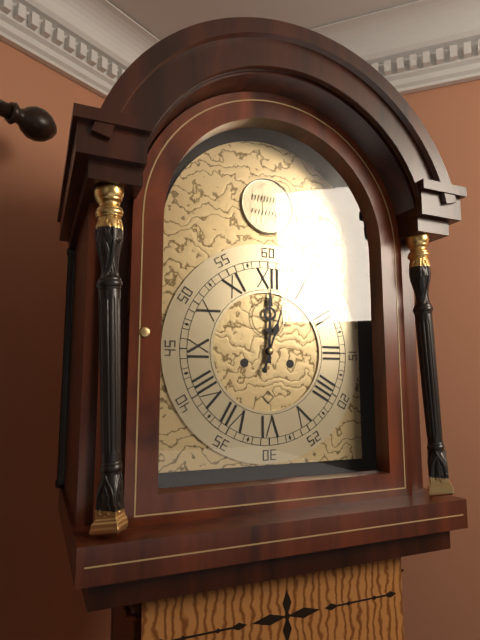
12h03
